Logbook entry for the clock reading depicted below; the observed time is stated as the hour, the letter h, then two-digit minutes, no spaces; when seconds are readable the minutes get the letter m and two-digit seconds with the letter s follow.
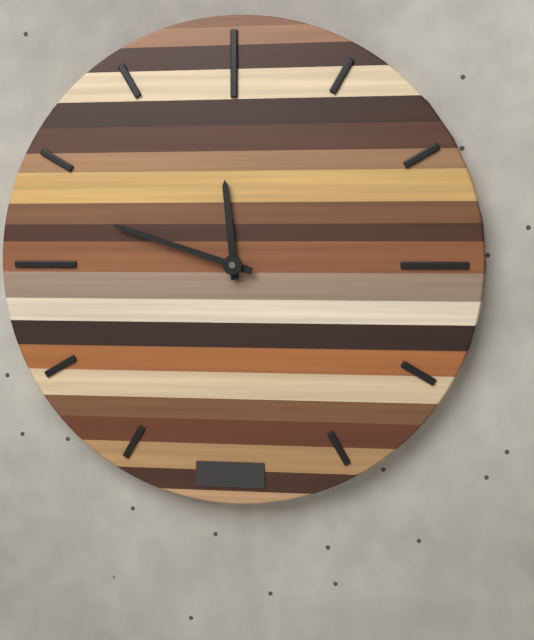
11h48
